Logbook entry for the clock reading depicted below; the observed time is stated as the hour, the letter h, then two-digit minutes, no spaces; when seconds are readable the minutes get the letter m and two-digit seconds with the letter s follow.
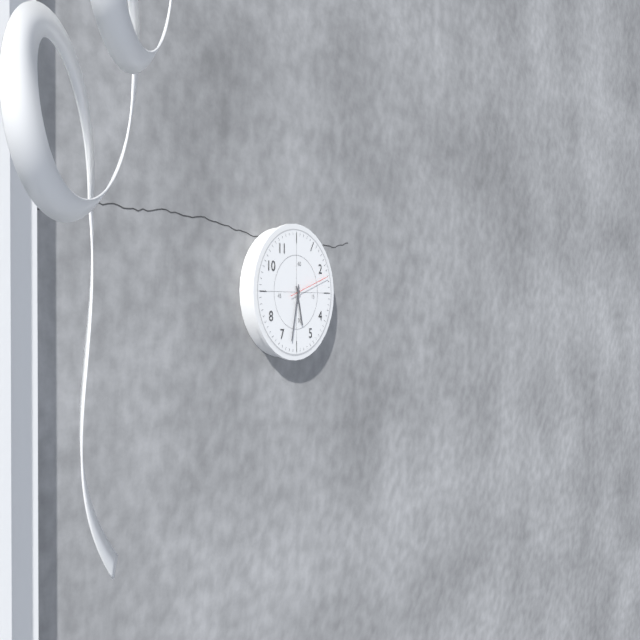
5h32
